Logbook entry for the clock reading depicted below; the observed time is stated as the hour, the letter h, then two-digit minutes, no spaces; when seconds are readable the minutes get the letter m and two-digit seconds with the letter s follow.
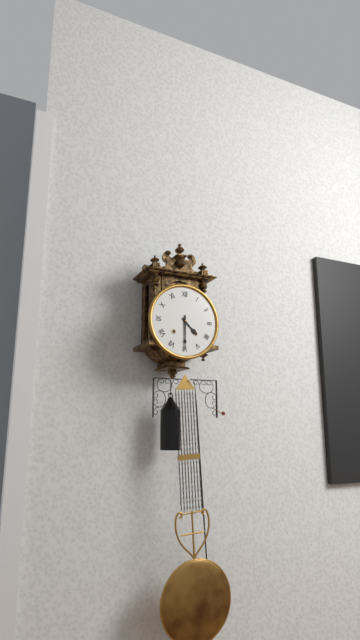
4h30
